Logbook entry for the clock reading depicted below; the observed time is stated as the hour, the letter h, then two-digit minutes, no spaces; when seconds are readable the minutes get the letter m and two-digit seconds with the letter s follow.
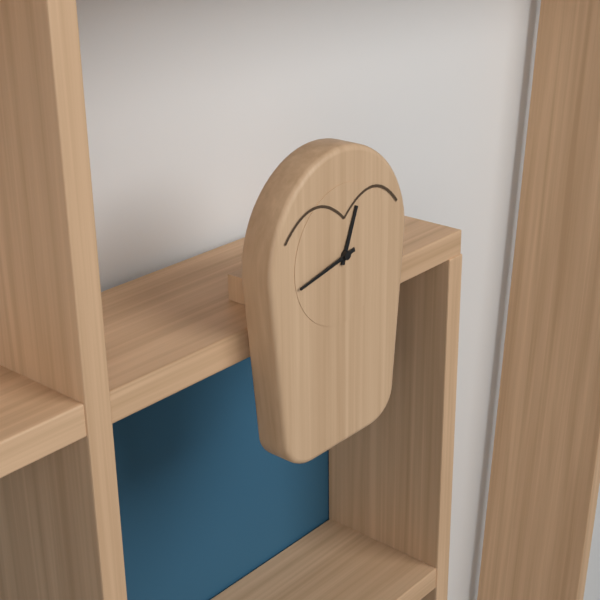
12h43
